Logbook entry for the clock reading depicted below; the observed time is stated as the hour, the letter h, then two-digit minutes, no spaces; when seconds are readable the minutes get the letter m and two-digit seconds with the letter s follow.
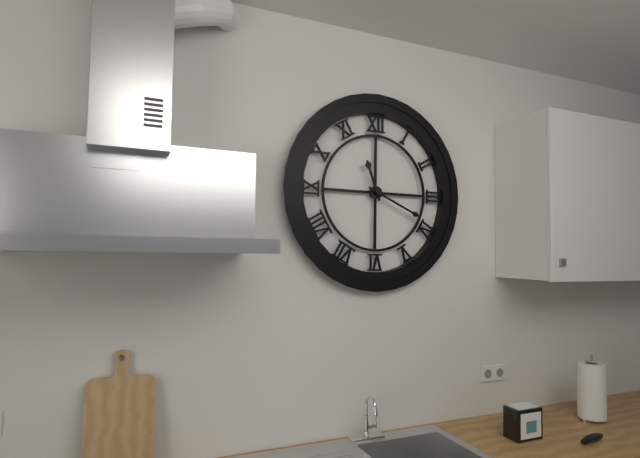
11h19
